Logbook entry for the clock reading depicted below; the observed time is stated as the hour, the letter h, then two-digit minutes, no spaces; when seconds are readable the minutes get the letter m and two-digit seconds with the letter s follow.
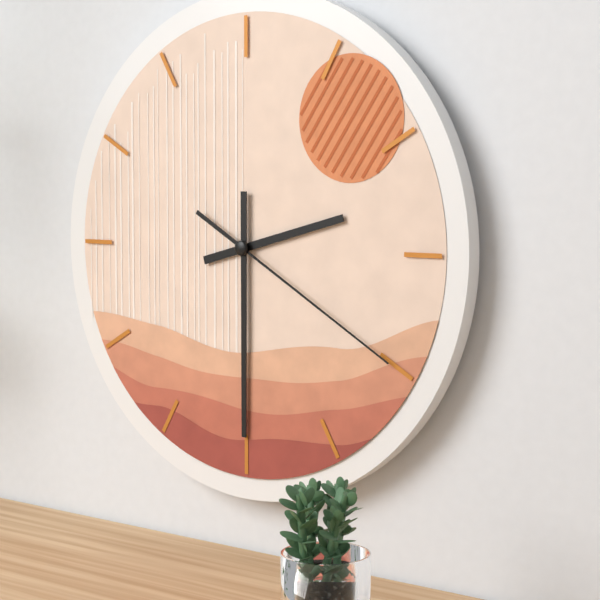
2h30m20s
